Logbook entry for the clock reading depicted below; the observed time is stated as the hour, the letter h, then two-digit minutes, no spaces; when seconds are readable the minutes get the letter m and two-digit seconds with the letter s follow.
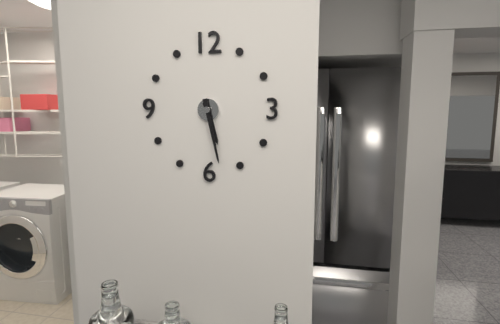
5h28
